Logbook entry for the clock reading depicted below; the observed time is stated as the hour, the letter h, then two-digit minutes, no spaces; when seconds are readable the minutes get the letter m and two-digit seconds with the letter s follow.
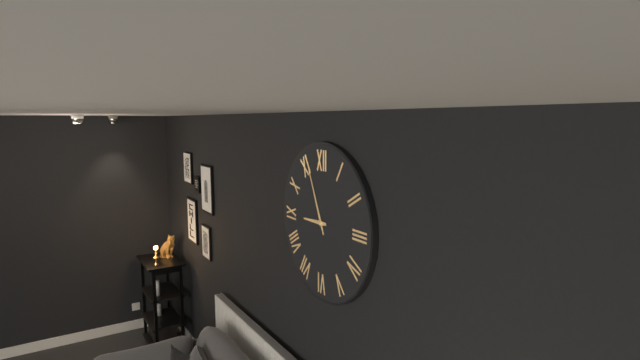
8h56
